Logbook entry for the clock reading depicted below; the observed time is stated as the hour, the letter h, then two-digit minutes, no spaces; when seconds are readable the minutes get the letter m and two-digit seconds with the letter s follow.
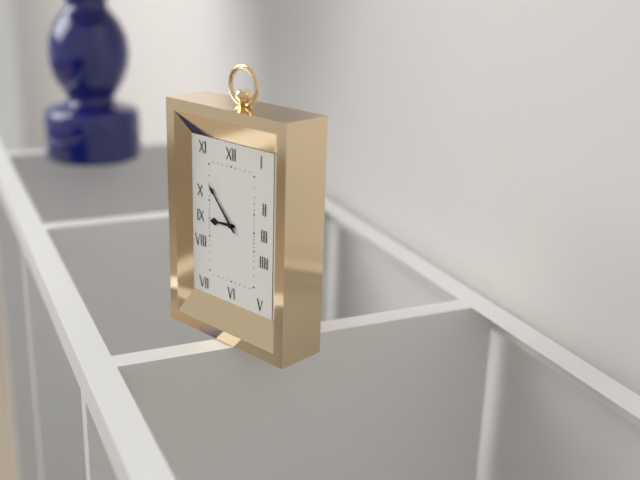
8h53
